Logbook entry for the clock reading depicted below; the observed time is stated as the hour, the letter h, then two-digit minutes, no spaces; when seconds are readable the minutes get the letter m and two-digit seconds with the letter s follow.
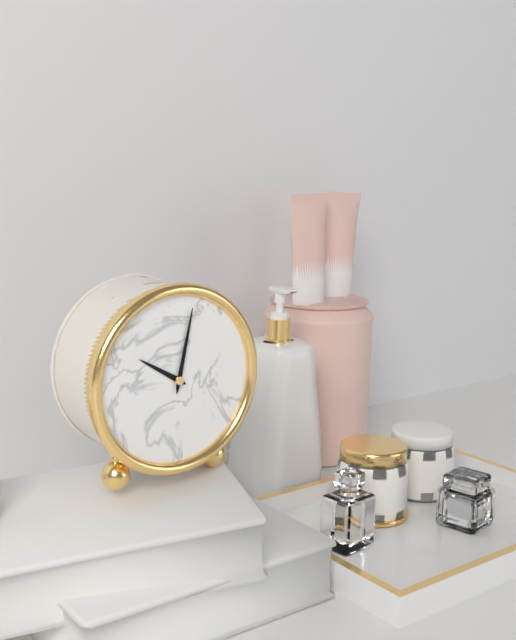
10h02
